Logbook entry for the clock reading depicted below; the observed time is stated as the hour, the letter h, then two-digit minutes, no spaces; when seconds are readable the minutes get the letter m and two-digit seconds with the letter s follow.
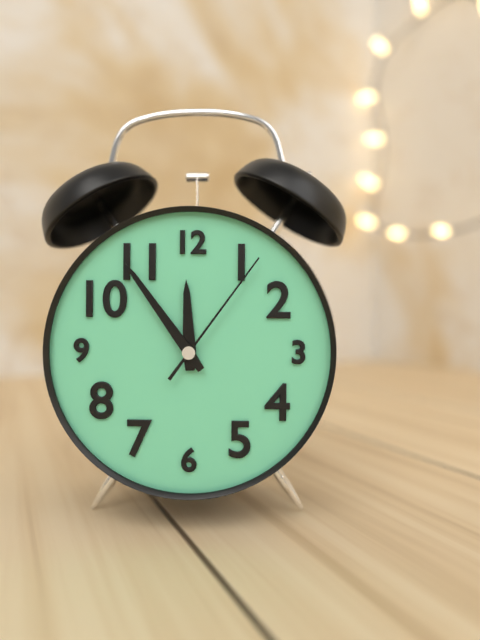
11h54m06s
